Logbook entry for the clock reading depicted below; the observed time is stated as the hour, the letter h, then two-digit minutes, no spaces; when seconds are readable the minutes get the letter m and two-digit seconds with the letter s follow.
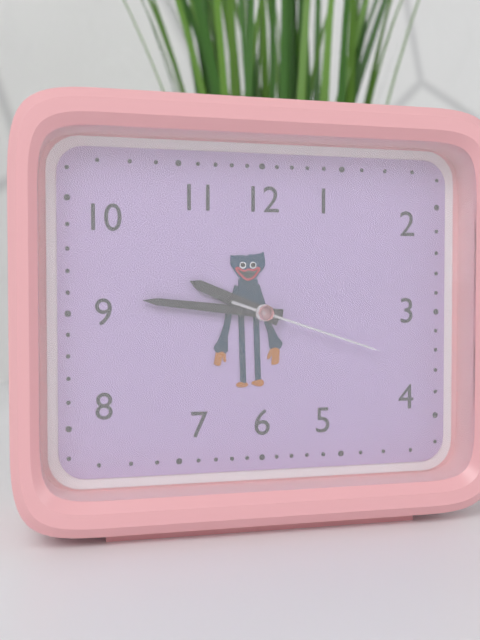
9h46m18s
